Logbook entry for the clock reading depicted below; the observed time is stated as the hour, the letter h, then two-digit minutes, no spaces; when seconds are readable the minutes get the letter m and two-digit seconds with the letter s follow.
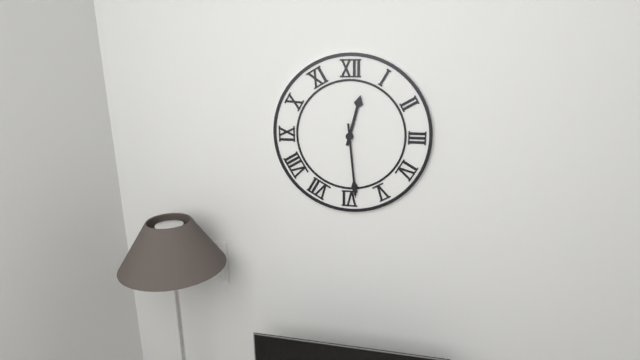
12h29
